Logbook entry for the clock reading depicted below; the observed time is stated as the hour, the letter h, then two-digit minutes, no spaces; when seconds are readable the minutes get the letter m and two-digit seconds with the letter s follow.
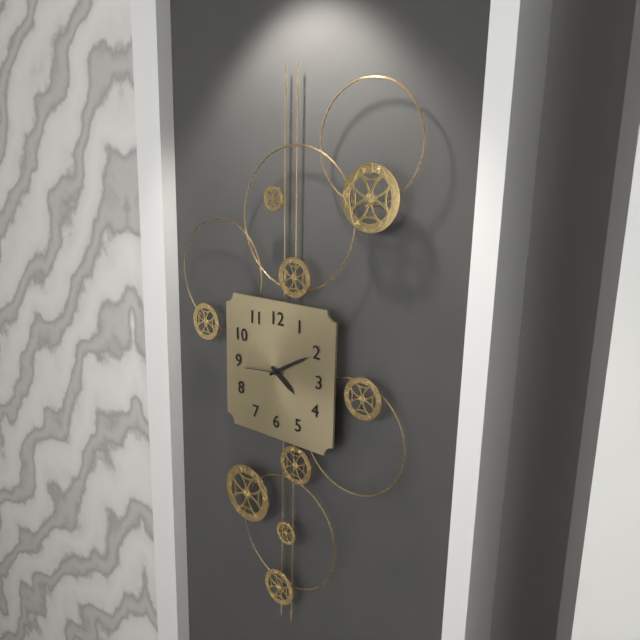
4h10
